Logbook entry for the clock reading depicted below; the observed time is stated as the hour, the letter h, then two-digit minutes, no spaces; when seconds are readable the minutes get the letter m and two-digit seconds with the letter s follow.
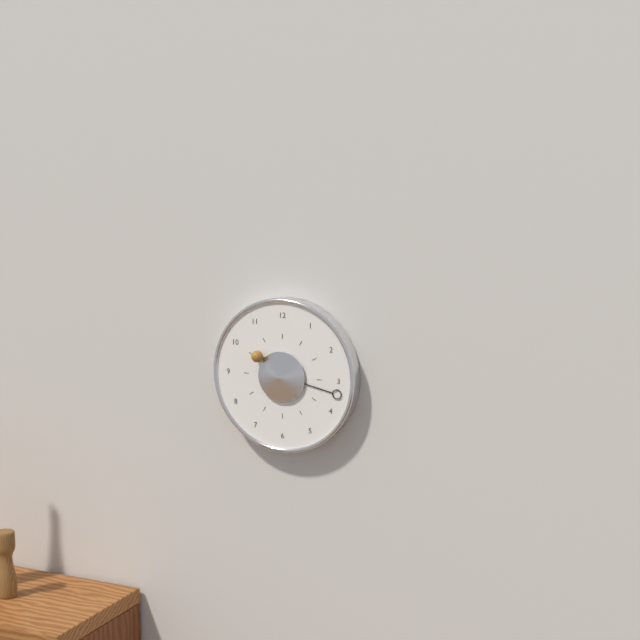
10h17
